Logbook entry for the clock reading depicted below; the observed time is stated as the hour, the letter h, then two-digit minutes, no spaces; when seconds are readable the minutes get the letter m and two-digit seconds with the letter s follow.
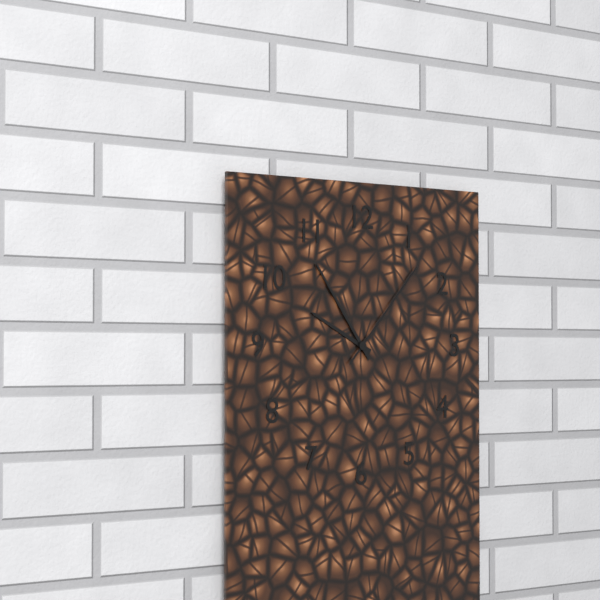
9h54m07s
